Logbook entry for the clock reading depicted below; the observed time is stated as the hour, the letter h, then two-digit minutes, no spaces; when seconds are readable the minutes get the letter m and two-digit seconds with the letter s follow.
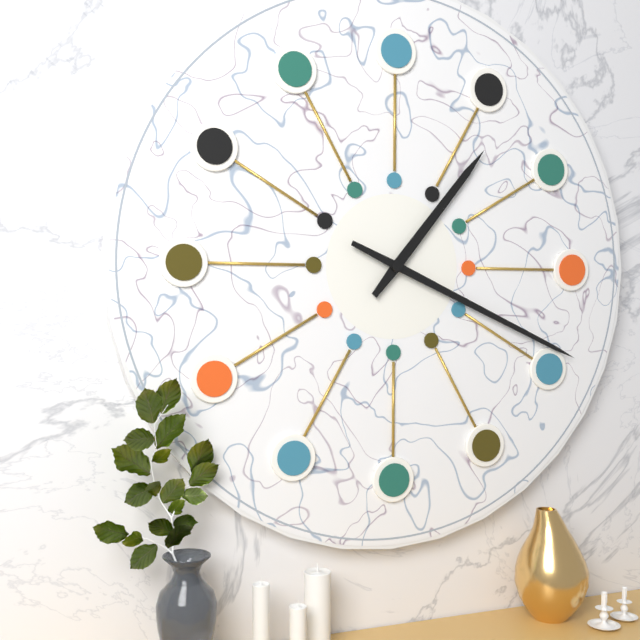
1h19
